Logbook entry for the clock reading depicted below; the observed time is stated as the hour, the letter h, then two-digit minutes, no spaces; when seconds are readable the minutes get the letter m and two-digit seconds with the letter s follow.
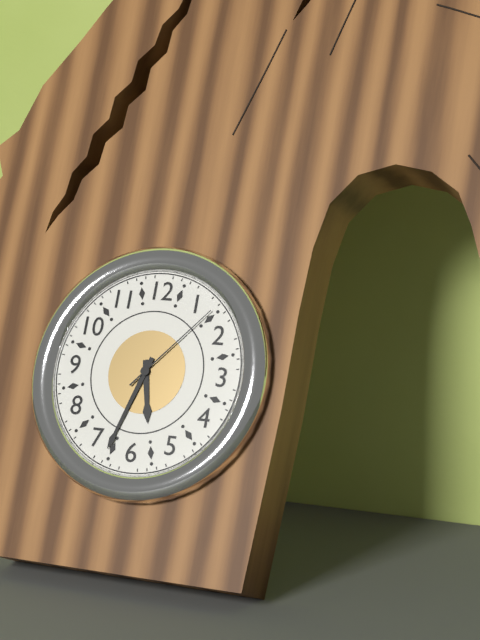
5h33m07s
